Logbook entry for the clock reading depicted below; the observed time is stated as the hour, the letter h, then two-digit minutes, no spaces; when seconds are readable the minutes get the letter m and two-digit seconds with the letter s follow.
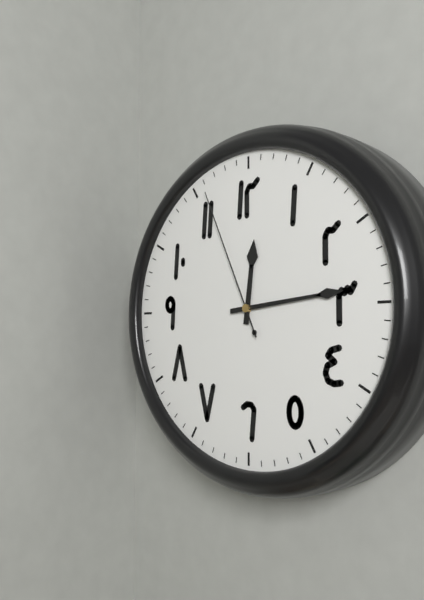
12h14m56s
